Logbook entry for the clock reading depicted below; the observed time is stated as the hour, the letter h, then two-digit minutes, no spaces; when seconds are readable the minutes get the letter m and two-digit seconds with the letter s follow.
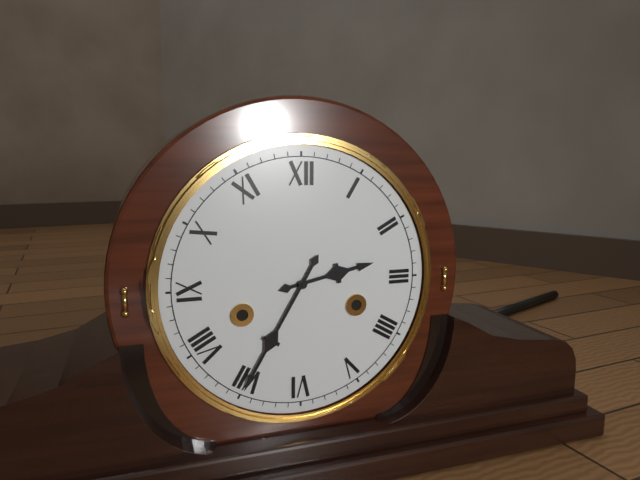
2h35
